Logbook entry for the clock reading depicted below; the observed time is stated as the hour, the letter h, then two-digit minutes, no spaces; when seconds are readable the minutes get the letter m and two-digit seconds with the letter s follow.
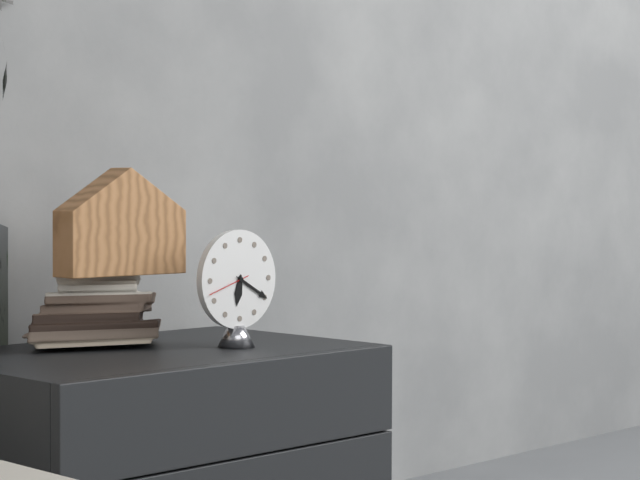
6h20
